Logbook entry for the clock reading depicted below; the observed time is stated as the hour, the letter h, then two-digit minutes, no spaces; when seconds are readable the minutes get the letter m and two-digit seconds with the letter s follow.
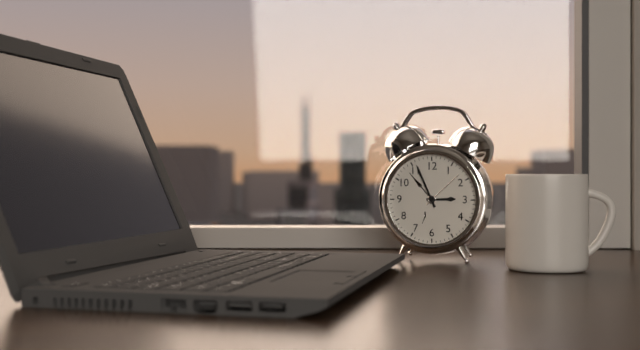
2h56
